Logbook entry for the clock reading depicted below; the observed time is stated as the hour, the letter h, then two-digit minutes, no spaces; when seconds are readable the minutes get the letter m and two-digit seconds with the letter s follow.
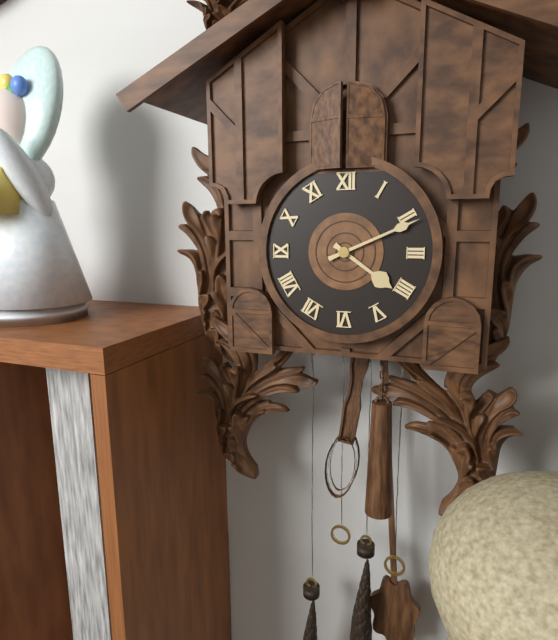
4h11
